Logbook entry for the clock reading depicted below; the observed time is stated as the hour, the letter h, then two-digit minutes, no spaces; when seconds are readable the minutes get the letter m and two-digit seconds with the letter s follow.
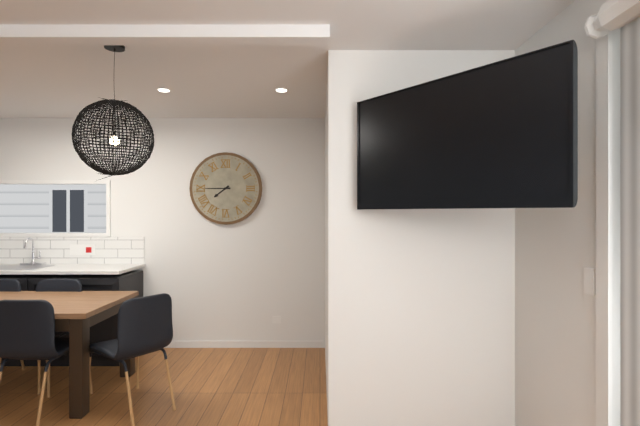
7h45
